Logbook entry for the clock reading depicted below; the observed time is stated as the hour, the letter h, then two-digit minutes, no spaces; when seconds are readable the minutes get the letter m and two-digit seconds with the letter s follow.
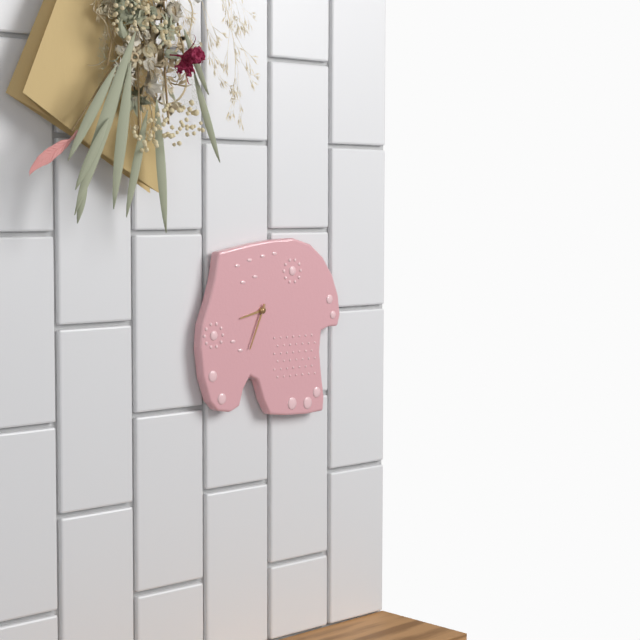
8h34
